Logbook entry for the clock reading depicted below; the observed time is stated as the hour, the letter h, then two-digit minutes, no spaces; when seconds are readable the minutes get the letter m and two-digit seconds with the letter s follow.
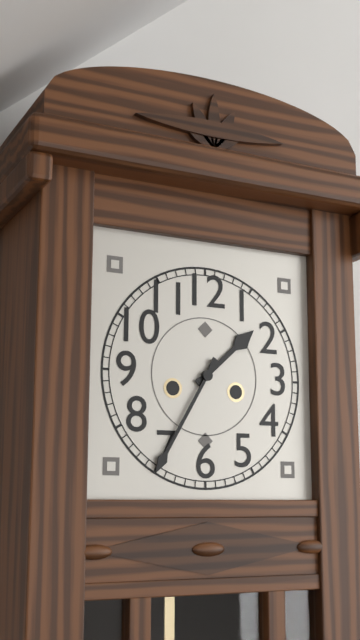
1h35
